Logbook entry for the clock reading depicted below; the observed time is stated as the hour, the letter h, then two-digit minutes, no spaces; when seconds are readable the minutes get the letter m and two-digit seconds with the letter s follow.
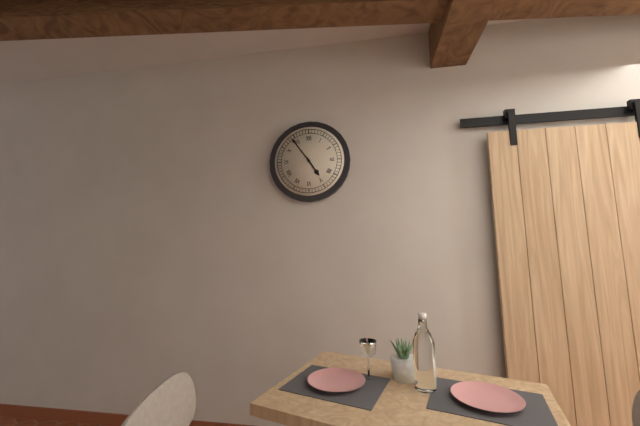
4h54
